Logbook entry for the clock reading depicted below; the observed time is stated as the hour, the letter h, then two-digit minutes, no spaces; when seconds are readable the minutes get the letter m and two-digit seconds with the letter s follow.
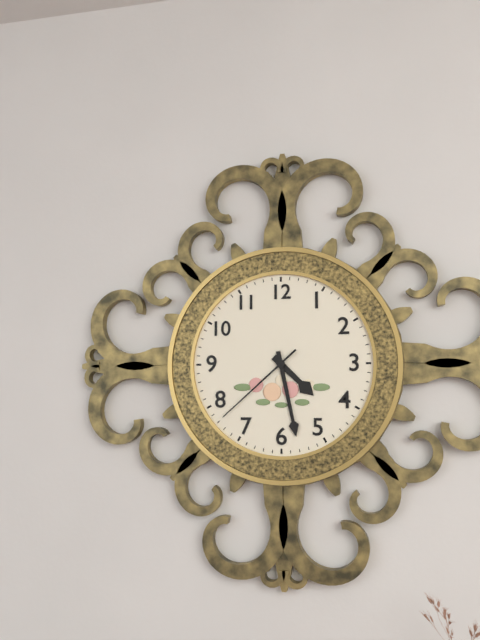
4h28m38s
